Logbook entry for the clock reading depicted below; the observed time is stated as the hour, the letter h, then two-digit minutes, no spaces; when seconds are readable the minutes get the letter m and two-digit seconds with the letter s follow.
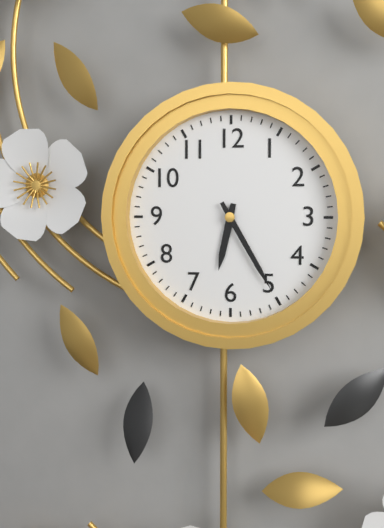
6h25
